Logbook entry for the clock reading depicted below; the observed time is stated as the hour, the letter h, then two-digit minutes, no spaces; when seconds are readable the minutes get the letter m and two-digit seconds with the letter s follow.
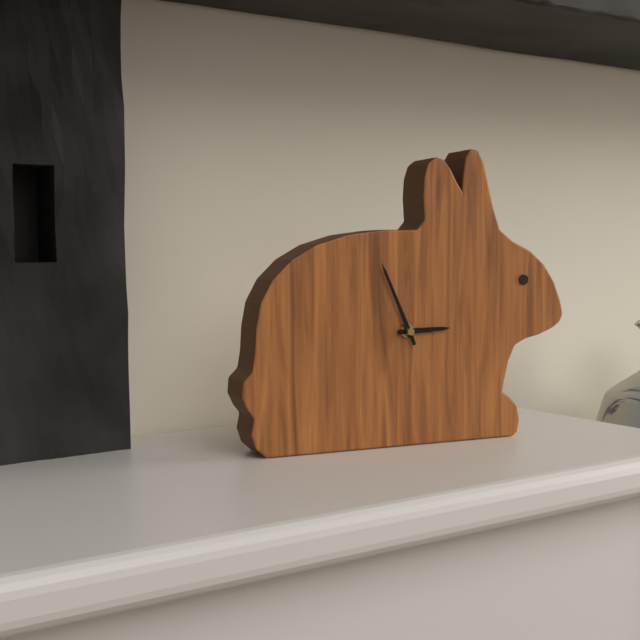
2h56
